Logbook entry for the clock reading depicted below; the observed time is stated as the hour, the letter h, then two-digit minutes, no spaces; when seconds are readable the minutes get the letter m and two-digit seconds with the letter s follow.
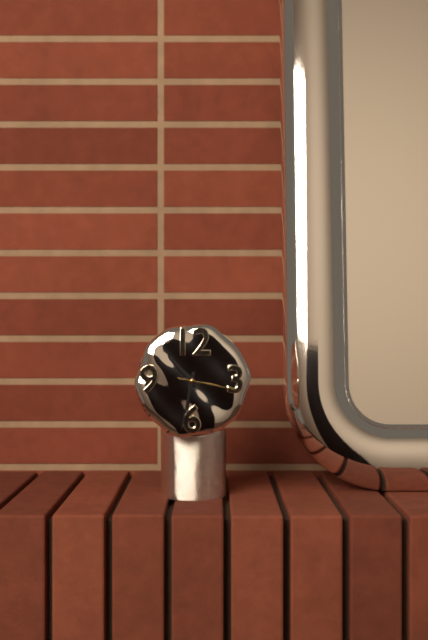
10h32m17s
